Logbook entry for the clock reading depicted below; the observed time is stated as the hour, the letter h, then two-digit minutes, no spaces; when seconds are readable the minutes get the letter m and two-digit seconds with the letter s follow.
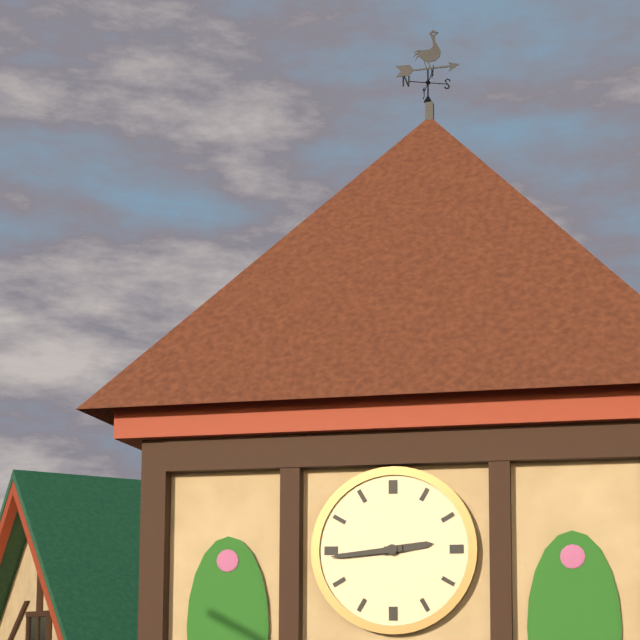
2h44
